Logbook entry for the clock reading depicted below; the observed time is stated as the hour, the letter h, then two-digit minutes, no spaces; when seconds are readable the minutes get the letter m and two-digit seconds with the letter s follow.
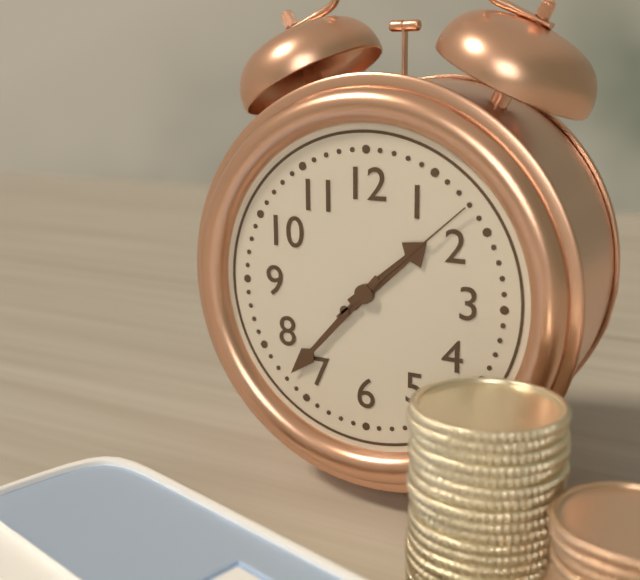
1h37m08s
